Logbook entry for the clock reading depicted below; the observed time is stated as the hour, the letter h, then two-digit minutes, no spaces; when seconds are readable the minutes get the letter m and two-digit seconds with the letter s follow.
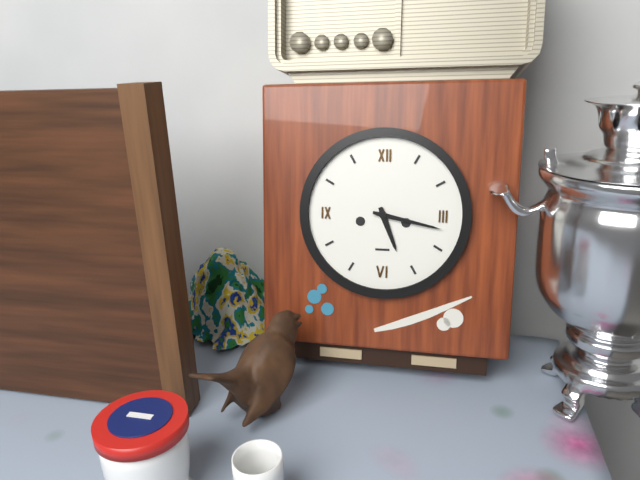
5h17
